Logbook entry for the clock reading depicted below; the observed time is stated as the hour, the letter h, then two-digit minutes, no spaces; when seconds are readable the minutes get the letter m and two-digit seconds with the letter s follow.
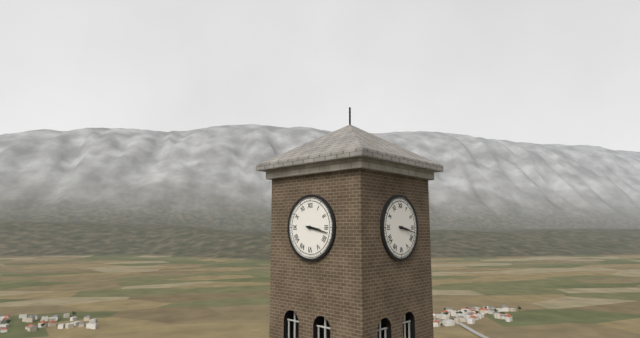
3h17
